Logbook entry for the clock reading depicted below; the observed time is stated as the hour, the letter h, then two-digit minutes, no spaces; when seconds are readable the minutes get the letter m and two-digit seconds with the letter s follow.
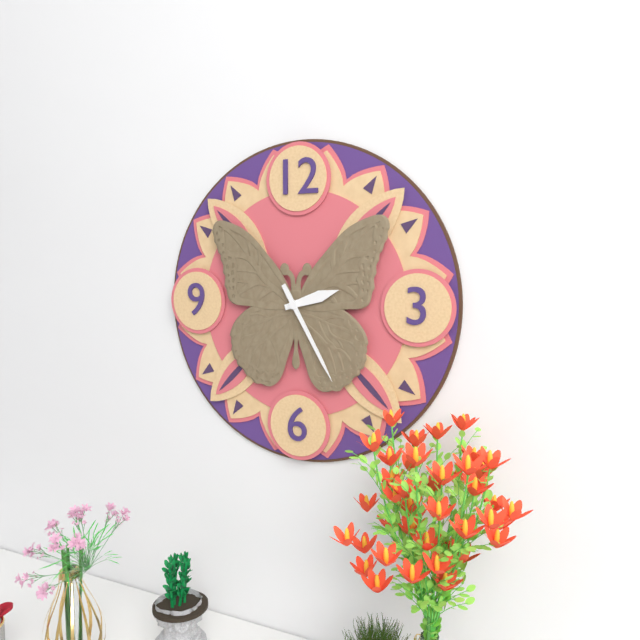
2h25
